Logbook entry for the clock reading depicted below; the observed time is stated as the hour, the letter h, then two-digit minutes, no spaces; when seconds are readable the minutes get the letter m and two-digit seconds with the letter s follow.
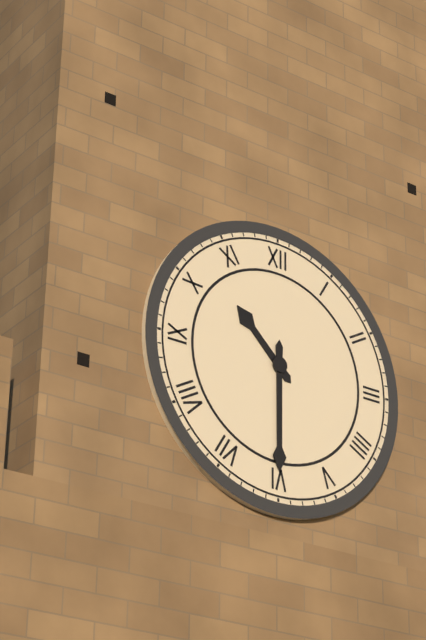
10h30
